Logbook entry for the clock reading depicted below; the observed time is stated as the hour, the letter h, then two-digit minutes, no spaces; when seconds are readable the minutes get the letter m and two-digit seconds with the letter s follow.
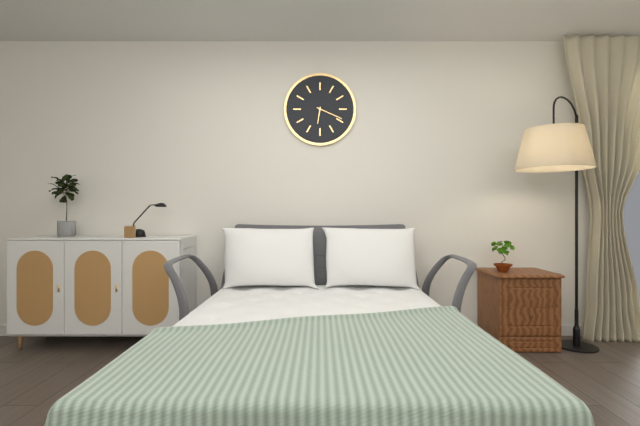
6h19
